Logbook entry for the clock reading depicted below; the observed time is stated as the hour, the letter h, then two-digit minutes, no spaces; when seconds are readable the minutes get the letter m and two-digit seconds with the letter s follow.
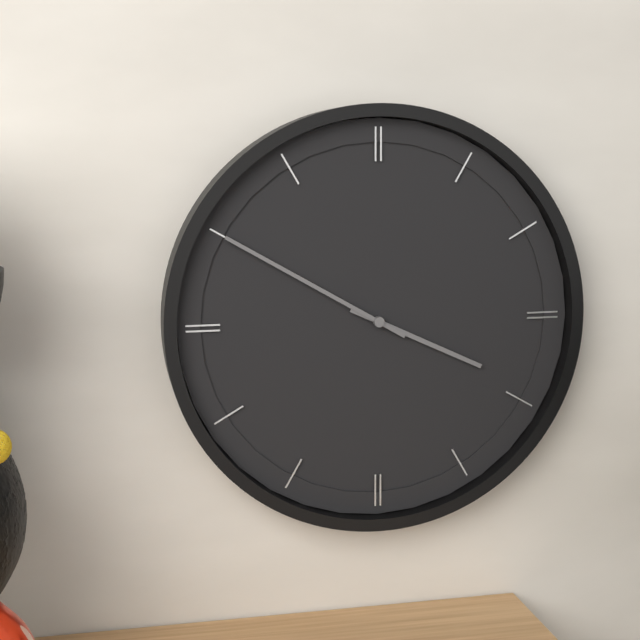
3h50
